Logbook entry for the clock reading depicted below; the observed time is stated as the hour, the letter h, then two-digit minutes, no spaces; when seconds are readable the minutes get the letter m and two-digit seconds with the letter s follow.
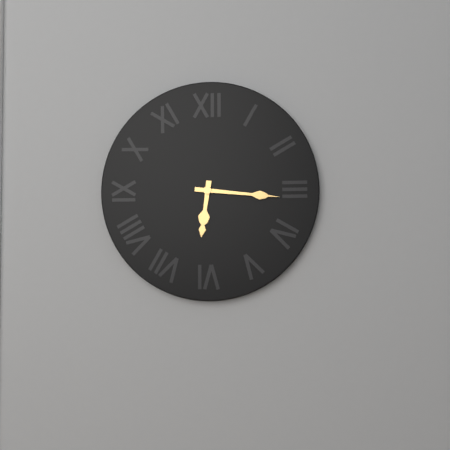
6h16
